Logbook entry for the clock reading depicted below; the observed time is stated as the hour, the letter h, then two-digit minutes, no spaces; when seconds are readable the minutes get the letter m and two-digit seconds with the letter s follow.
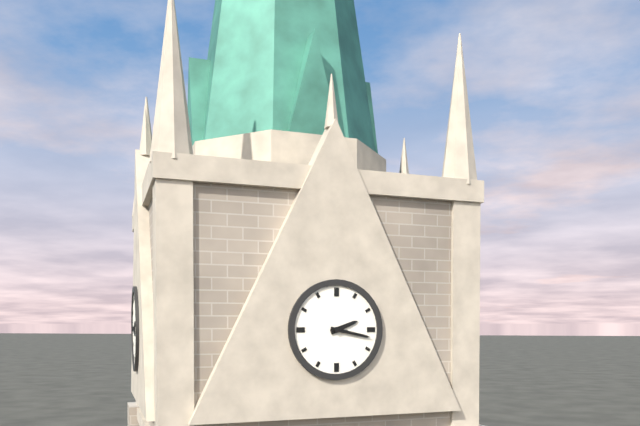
2h17
